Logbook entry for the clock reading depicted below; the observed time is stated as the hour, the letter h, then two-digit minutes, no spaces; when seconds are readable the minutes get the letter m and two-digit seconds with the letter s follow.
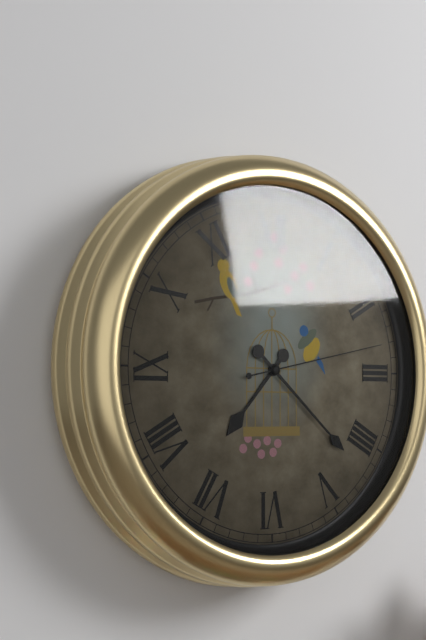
7h22m13s
